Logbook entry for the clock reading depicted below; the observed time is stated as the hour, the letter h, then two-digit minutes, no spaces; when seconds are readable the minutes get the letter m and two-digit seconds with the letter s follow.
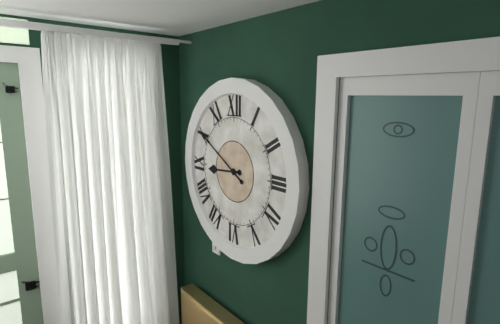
8h50
